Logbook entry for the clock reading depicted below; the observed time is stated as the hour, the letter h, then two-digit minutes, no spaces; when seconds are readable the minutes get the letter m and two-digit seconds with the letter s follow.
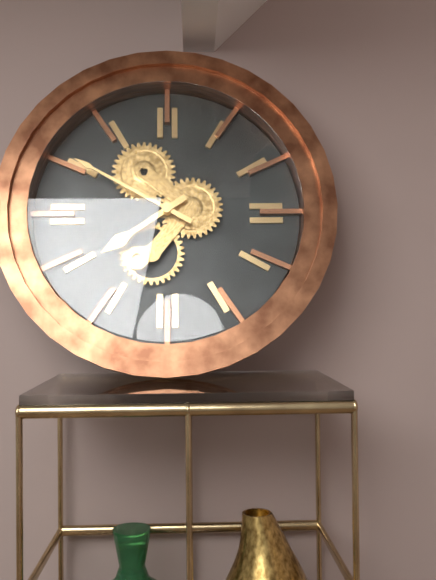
7h50
